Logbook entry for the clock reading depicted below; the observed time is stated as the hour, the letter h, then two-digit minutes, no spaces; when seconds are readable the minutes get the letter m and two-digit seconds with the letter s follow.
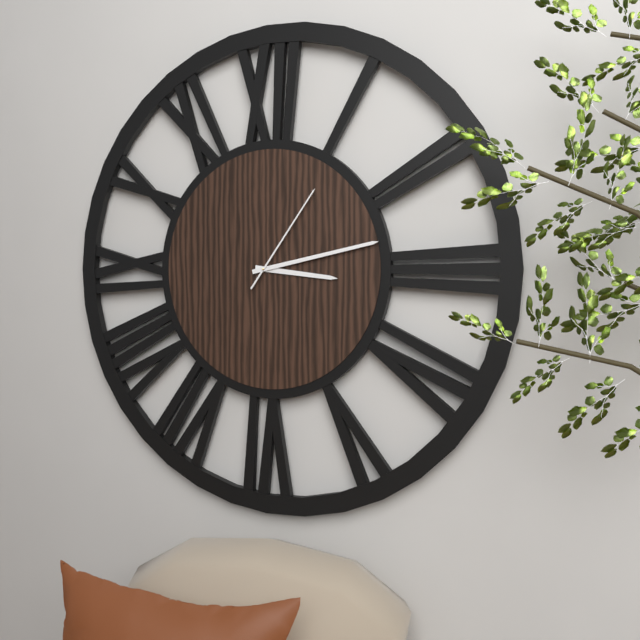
3h13m06s
